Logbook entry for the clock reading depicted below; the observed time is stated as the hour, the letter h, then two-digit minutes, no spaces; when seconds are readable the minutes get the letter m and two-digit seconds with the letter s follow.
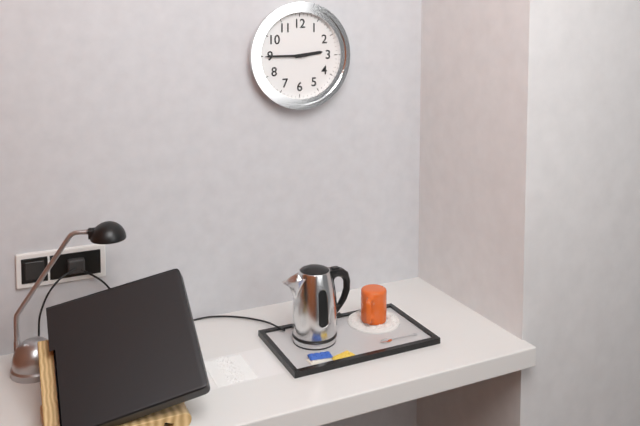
2h45
